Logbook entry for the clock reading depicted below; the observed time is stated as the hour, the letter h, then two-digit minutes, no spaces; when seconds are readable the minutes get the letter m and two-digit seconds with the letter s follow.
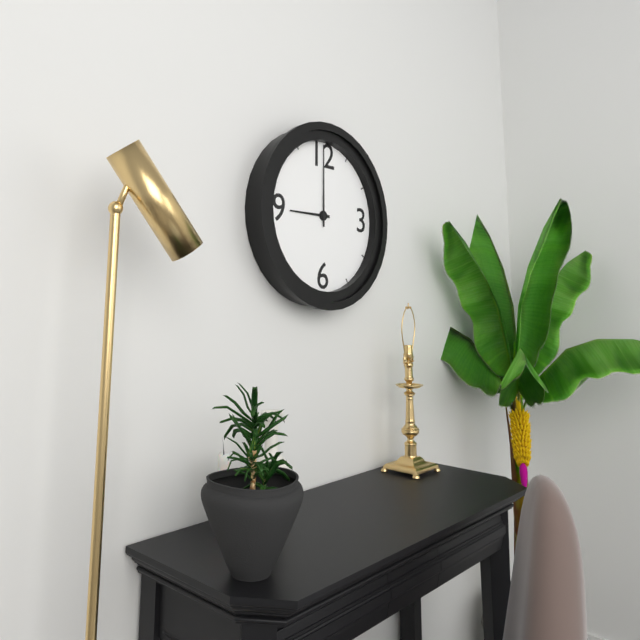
9h00
